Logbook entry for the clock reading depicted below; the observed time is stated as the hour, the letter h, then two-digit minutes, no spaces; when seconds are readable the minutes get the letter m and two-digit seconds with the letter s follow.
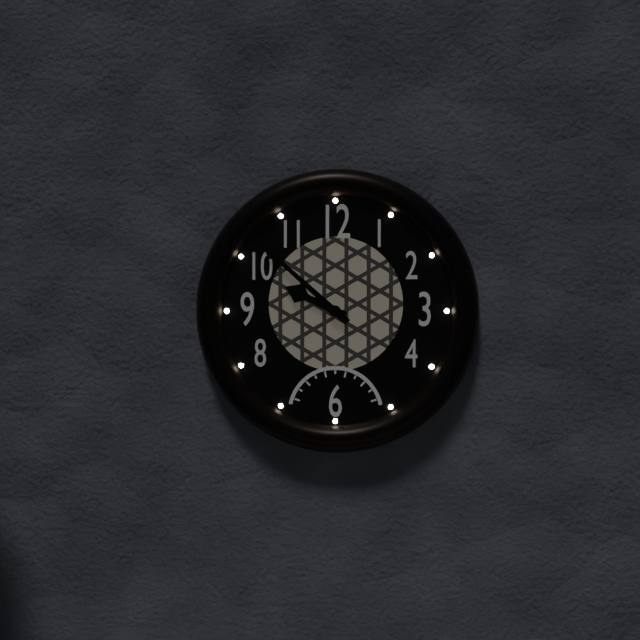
9h52
